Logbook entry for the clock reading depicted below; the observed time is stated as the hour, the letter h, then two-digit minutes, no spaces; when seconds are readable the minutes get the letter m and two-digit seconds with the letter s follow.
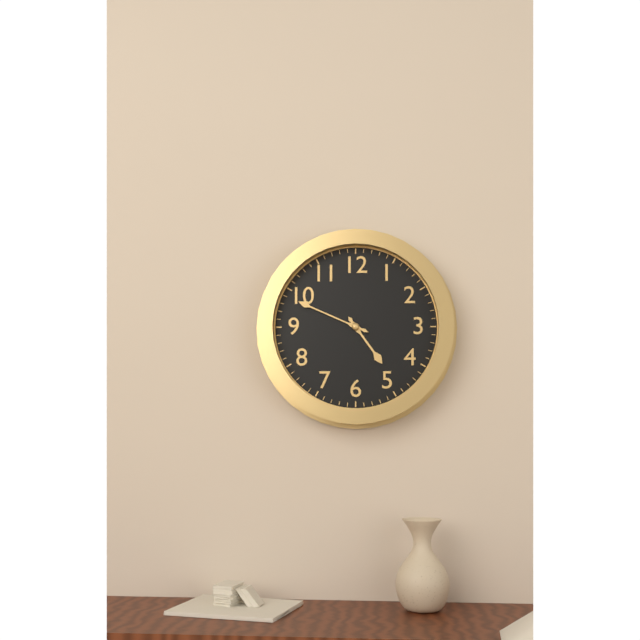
4h49
